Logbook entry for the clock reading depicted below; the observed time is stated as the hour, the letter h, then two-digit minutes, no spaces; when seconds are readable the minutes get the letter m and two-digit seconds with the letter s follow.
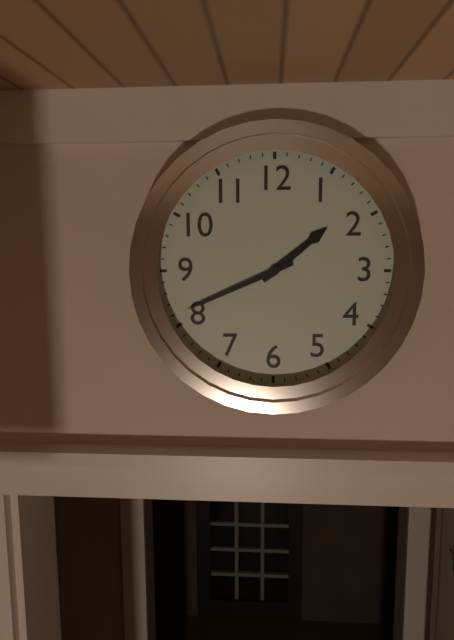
1h41
